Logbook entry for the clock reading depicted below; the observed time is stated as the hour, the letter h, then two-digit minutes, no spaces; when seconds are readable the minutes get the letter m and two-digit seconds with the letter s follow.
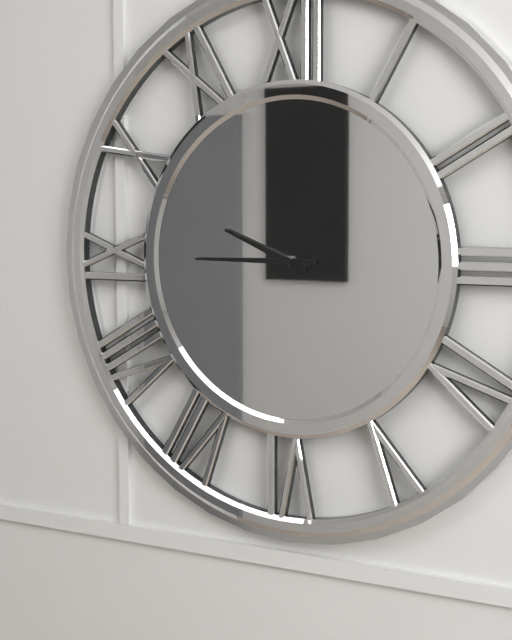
9h45
